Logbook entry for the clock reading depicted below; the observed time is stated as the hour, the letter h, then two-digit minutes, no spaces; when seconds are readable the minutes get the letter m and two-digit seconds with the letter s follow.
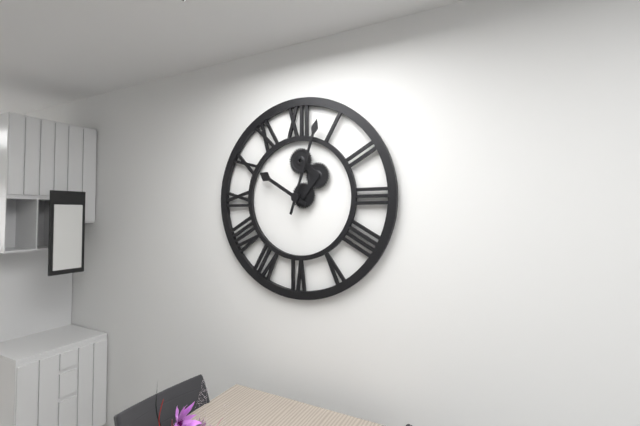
10h03
